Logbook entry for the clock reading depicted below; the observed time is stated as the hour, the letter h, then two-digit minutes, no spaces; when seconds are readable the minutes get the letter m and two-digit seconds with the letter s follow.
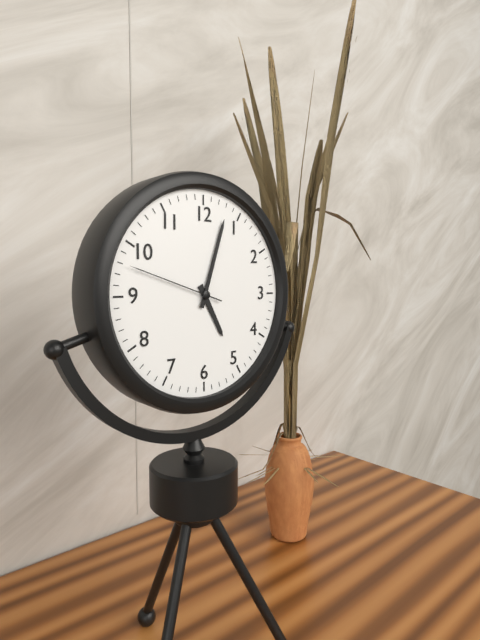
5h03m48s
